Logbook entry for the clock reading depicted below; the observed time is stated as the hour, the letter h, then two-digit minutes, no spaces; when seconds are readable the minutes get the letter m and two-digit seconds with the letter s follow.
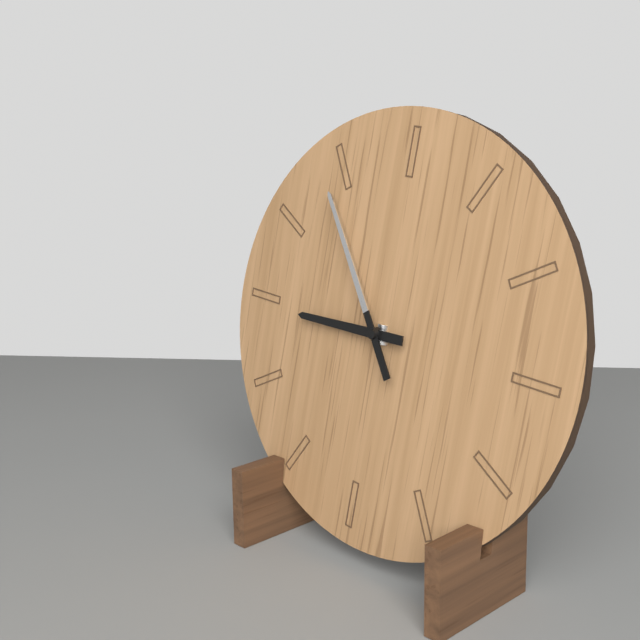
8h54
